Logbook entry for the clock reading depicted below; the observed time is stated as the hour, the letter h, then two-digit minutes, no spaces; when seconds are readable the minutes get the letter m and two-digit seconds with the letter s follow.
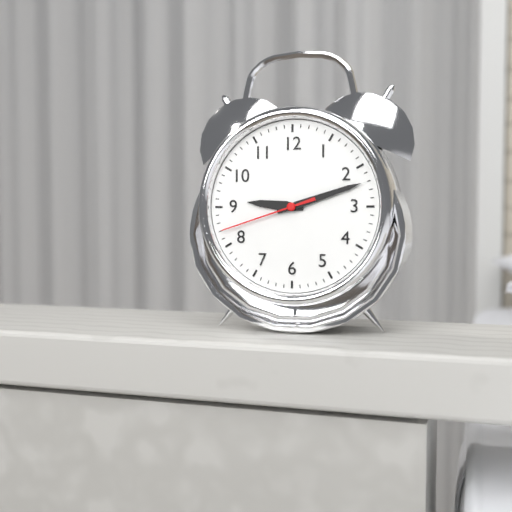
9h12m42s
